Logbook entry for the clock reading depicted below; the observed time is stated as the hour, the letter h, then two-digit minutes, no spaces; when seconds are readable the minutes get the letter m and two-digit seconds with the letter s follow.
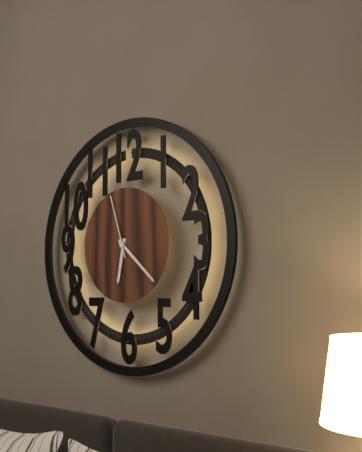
6h22m57s
